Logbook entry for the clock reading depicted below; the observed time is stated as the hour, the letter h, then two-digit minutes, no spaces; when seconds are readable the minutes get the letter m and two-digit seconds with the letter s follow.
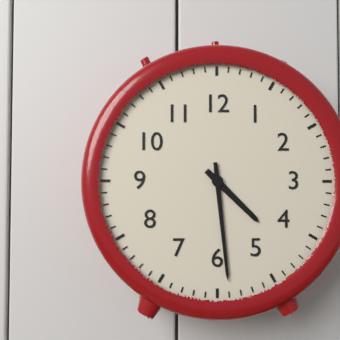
4h29
